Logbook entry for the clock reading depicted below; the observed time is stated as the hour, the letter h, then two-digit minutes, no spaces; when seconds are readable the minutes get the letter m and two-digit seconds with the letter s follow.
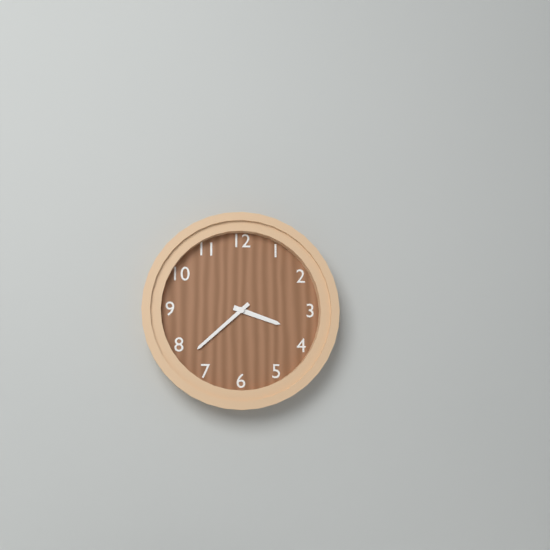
3h38
